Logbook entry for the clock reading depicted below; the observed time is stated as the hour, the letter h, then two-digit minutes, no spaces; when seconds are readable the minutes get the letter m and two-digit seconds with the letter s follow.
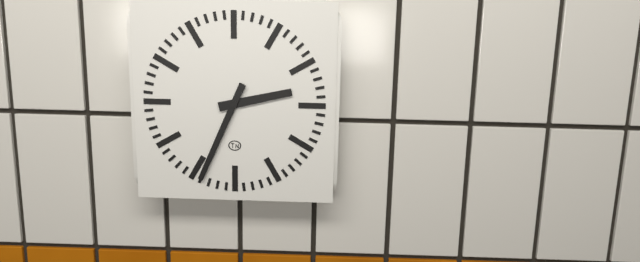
2h34
